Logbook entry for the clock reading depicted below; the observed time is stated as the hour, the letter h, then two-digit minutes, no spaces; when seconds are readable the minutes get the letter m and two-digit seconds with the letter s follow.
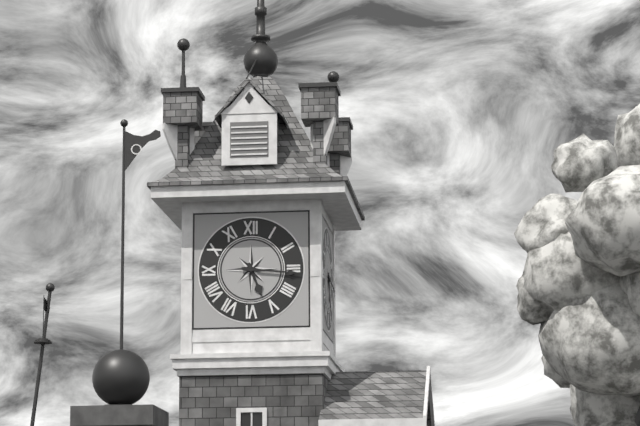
5h16
